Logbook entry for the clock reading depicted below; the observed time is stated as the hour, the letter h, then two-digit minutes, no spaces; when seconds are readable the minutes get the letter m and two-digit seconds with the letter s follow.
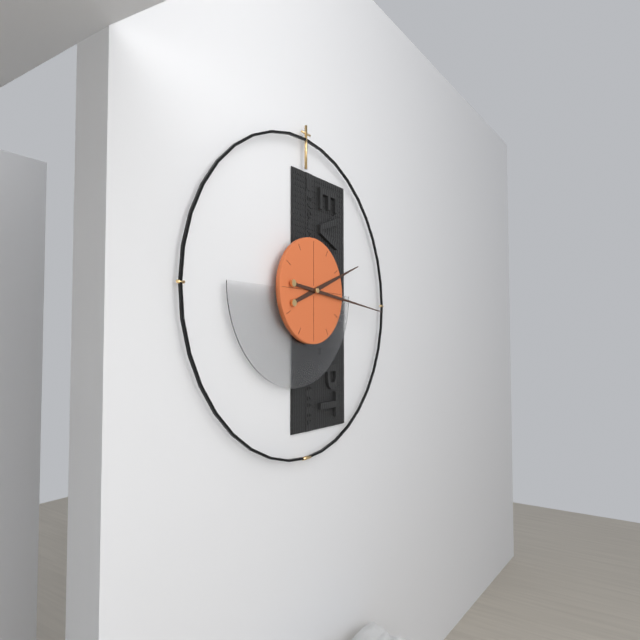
2h16
